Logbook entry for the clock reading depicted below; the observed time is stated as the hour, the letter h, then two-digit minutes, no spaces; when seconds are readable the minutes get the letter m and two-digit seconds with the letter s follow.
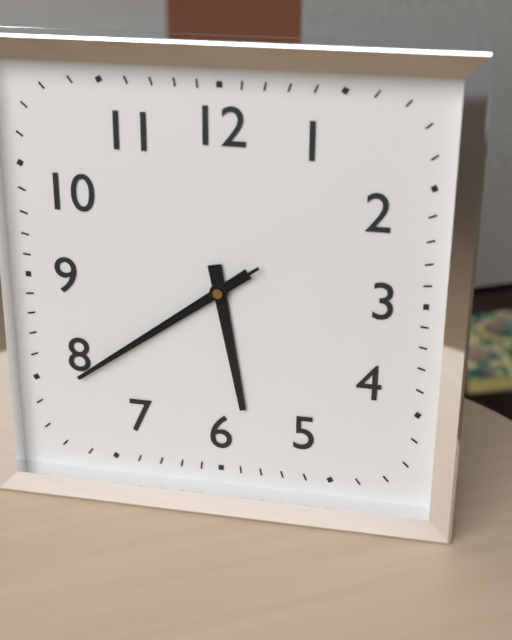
5h39m39s
